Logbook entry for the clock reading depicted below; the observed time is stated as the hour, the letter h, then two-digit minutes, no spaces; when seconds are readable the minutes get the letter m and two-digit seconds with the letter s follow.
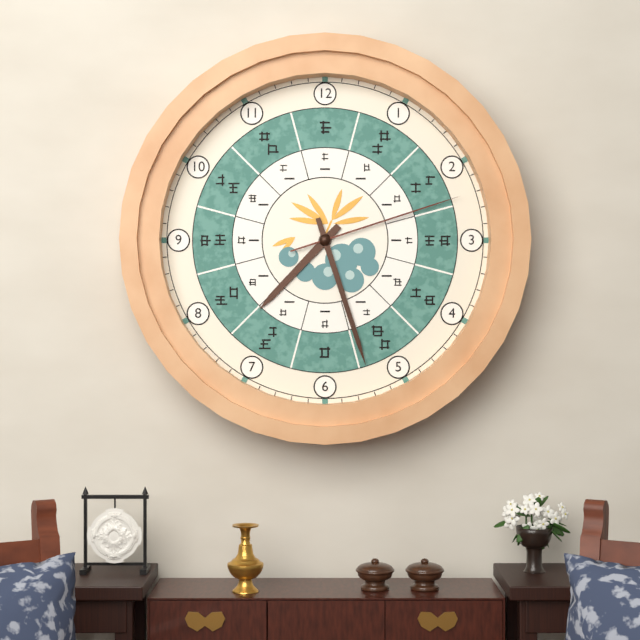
7h27m12s
